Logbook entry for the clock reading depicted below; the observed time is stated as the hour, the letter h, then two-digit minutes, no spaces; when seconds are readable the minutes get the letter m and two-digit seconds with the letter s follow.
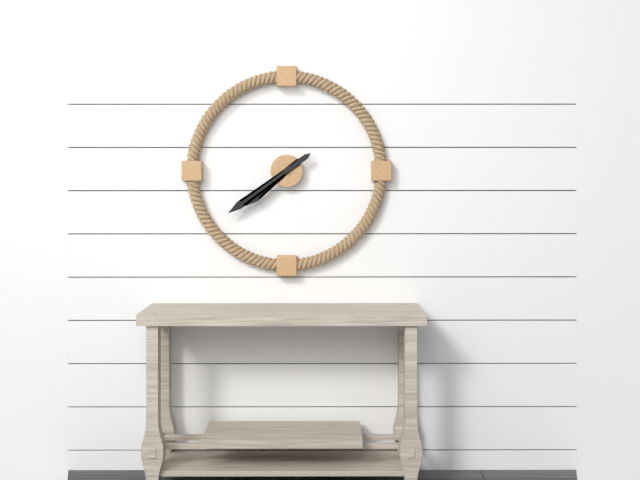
7h39
